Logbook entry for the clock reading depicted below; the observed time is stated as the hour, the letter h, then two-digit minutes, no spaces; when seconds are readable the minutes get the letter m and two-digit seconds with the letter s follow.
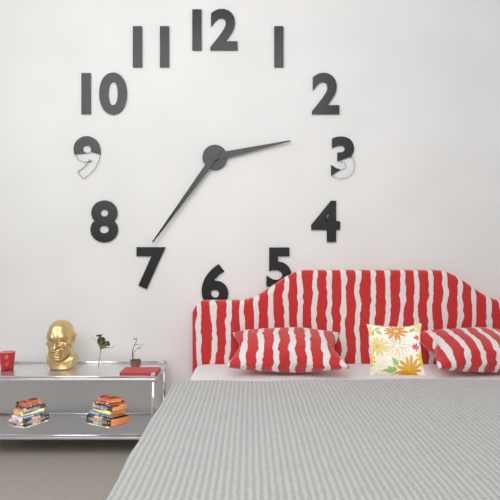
2h36
